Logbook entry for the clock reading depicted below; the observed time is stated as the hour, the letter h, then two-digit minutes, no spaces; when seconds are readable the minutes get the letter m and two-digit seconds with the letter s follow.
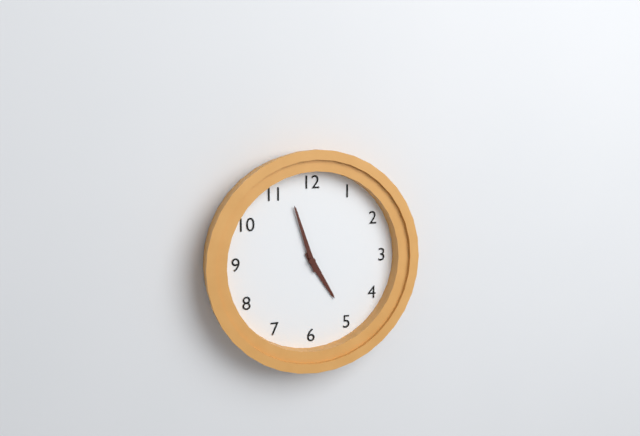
4h57
